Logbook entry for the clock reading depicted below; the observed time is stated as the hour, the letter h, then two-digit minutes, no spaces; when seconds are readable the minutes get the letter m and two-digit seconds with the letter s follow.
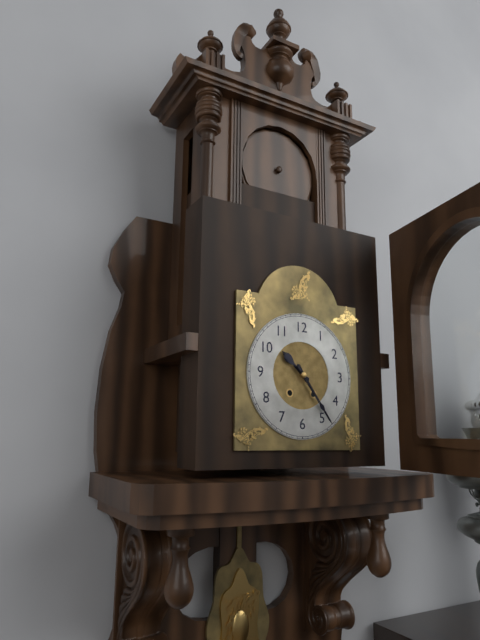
10h24
